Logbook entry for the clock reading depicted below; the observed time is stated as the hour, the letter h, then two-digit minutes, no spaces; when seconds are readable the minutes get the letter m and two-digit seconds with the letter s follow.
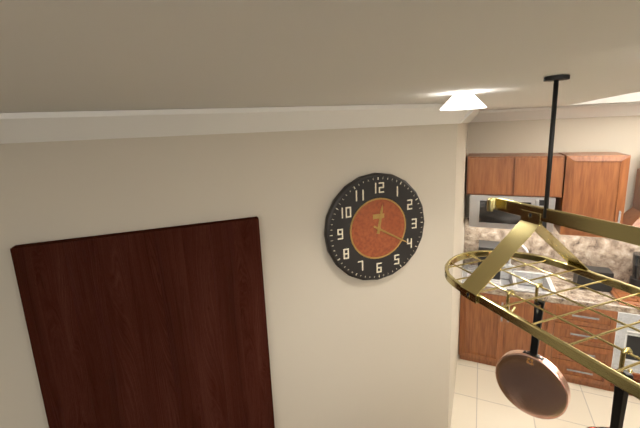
12h20
